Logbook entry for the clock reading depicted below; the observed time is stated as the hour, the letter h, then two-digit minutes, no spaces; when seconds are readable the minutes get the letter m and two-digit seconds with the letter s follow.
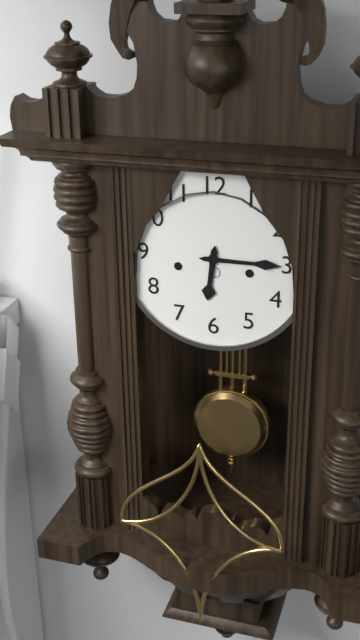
6h15
